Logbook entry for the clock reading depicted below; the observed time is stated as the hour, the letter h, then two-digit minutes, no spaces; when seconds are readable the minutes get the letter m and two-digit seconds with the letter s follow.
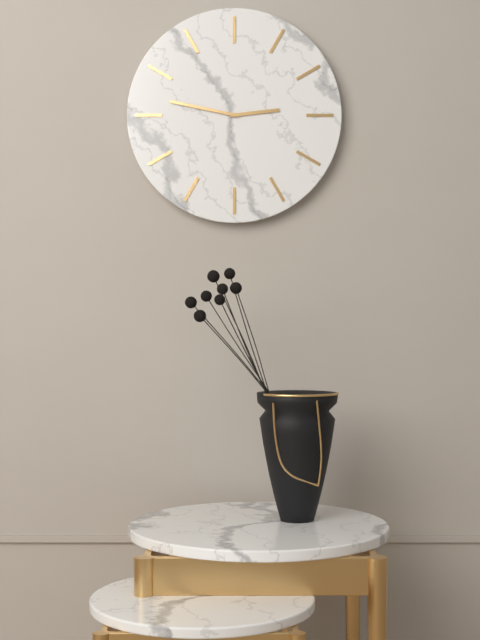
2h47
